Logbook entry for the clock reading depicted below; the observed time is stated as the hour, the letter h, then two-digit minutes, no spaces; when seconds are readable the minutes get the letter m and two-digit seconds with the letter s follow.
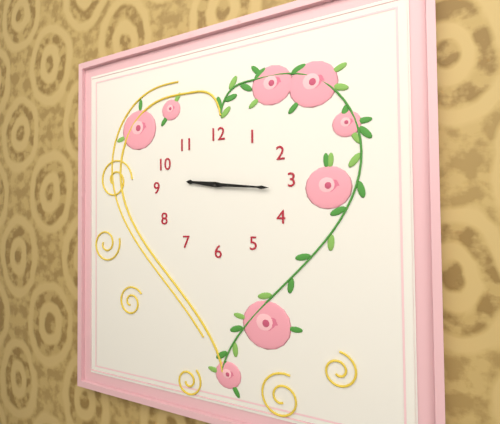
9h16
